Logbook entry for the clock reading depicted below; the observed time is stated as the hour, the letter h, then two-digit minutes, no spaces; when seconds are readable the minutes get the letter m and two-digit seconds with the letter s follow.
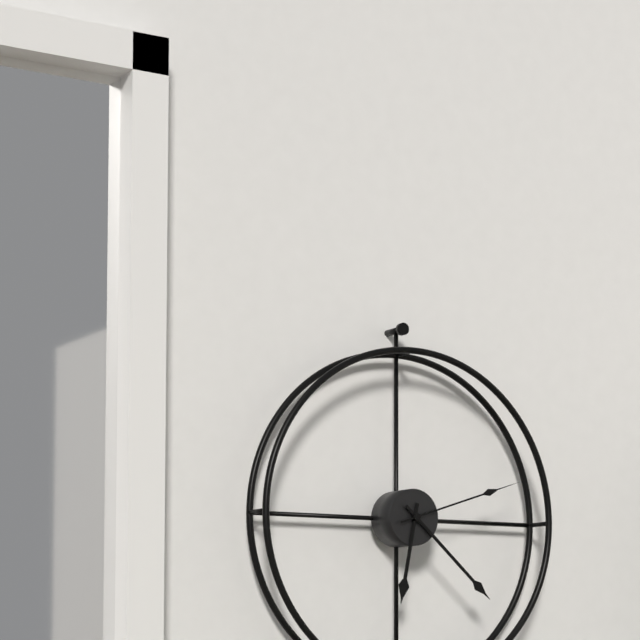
6h22m12s
